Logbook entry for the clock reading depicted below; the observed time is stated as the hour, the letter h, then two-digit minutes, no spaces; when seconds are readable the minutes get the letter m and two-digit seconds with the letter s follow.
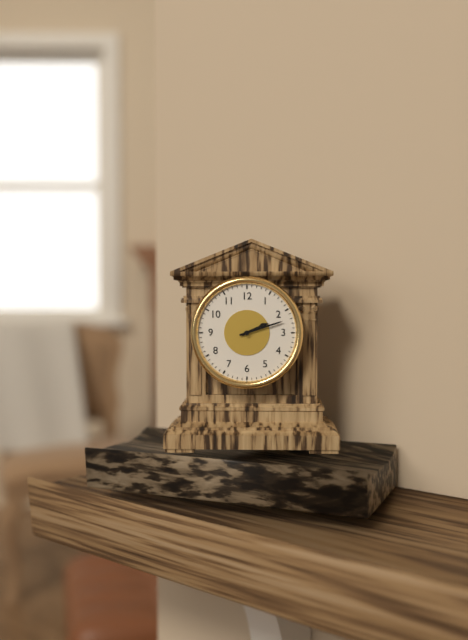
2h12
